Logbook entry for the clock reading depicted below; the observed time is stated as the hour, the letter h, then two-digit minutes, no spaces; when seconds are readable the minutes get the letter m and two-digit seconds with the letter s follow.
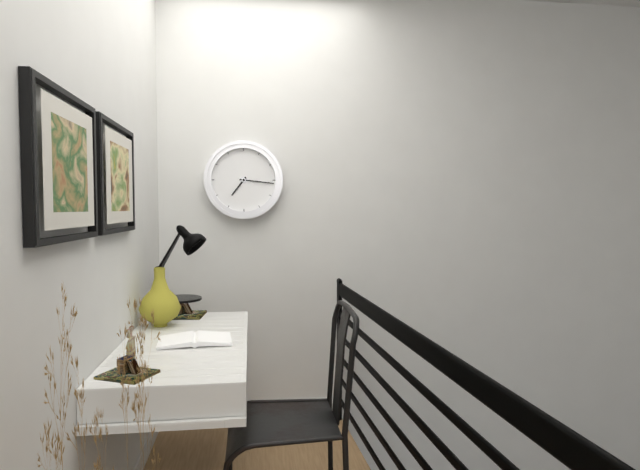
7h16
